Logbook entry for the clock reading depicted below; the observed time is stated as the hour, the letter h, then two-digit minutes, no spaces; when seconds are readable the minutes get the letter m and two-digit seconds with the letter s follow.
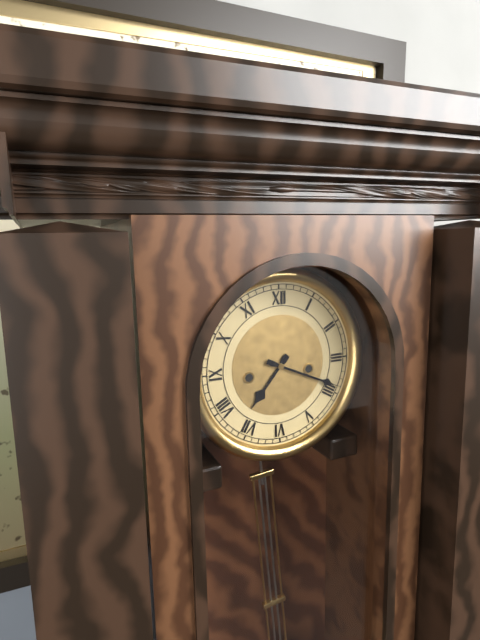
7h19
